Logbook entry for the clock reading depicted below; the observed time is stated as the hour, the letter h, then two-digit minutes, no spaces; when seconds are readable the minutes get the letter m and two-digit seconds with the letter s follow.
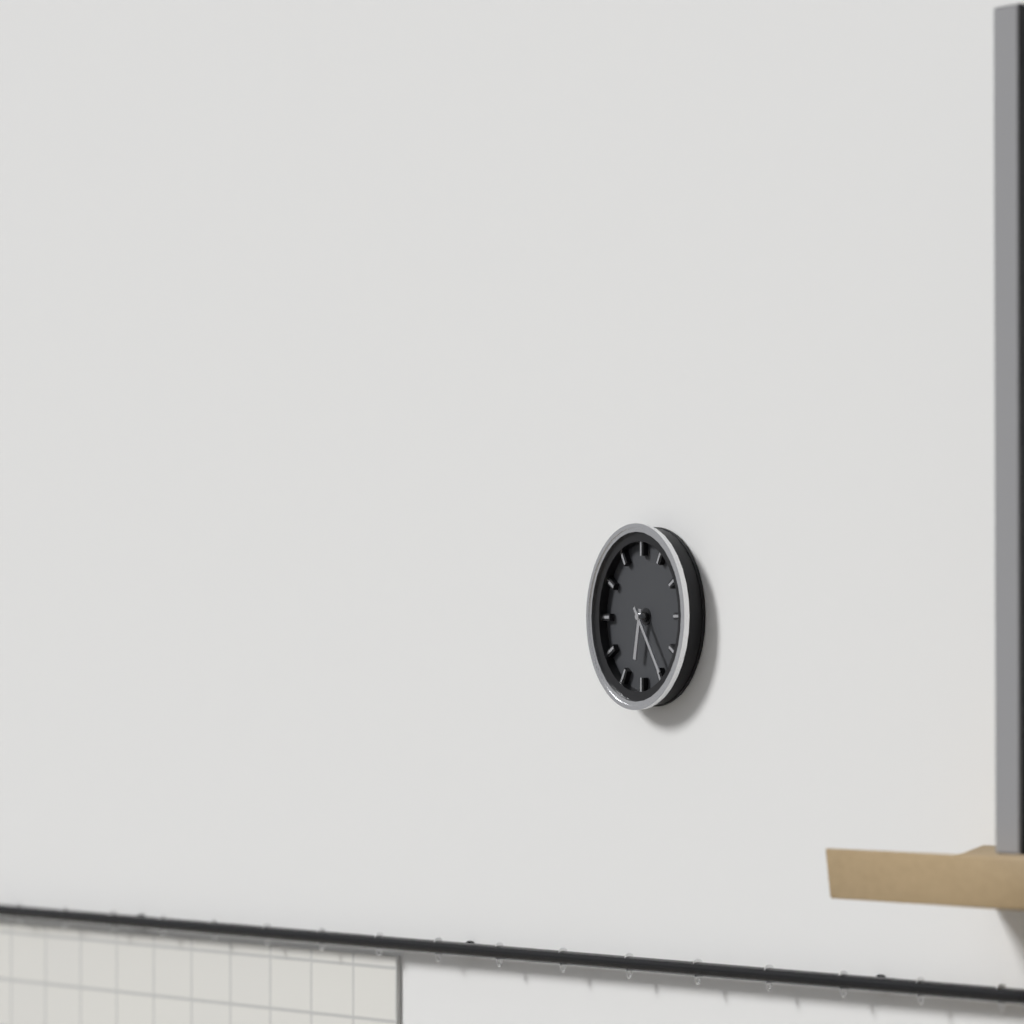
6h24
